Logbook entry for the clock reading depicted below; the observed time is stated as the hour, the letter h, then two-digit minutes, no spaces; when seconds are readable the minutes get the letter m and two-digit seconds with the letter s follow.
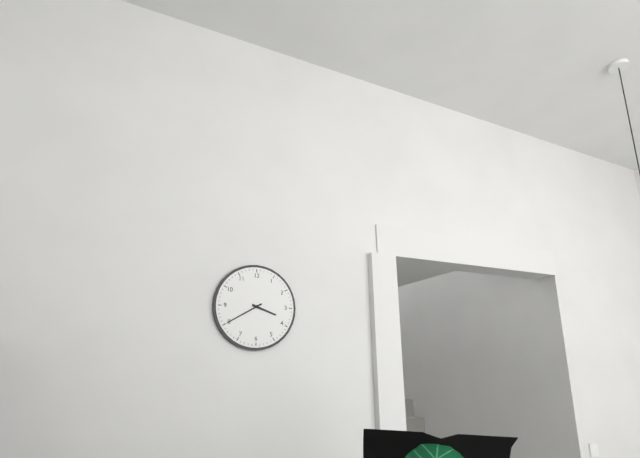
3h40
